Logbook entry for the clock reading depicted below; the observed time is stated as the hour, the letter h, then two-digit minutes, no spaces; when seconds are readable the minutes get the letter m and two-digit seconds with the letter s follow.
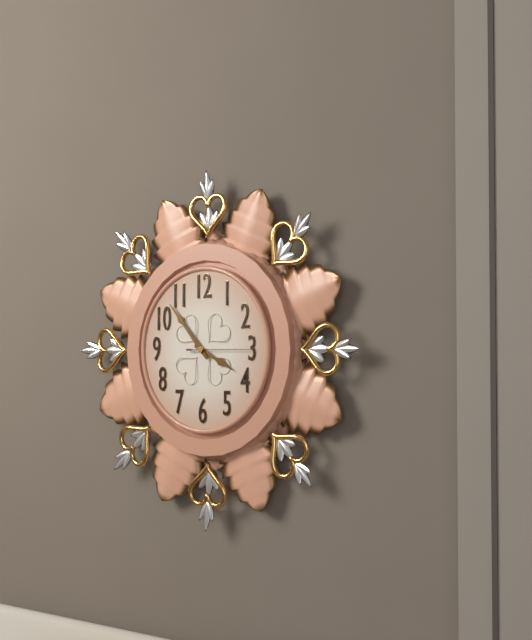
3h53m15s
